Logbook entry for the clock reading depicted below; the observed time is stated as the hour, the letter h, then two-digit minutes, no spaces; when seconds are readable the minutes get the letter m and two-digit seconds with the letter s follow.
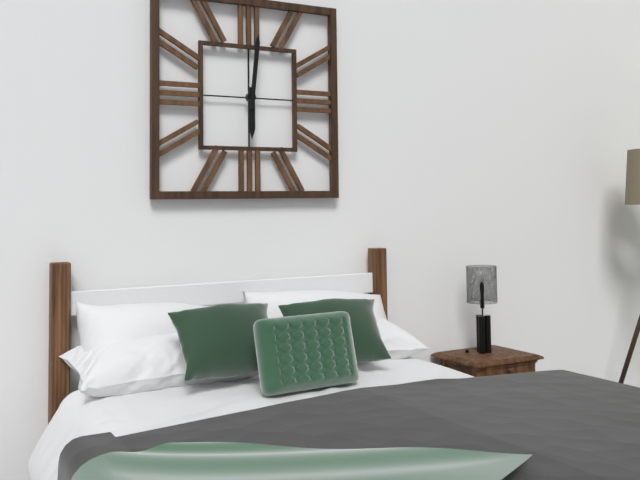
6h01
